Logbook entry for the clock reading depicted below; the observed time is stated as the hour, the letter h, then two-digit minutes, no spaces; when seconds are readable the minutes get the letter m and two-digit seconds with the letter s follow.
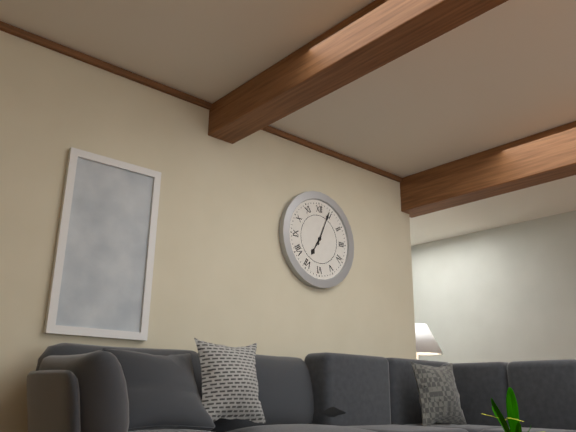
7h04
